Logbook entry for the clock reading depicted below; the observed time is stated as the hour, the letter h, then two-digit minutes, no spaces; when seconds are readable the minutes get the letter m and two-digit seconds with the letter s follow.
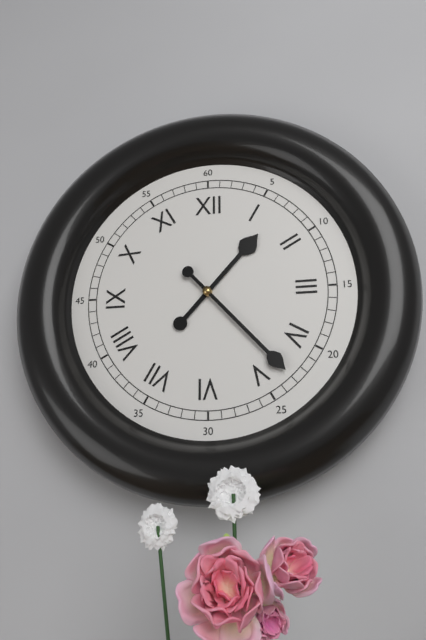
1h23
